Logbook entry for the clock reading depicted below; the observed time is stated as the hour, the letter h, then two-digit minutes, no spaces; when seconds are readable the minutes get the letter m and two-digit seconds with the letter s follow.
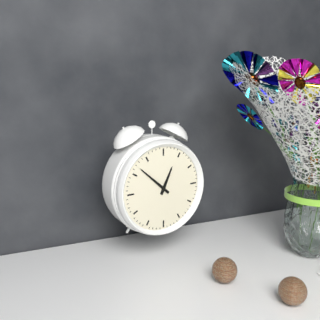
12h52
